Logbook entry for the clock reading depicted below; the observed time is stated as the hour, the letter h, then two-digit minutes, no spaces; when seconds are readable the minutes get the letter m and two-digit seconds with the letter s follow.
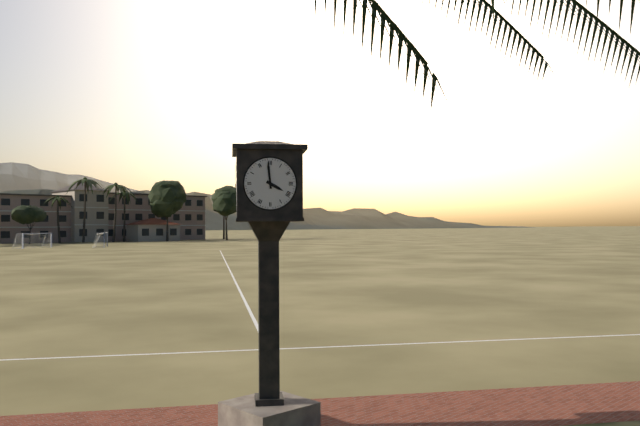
3h59
